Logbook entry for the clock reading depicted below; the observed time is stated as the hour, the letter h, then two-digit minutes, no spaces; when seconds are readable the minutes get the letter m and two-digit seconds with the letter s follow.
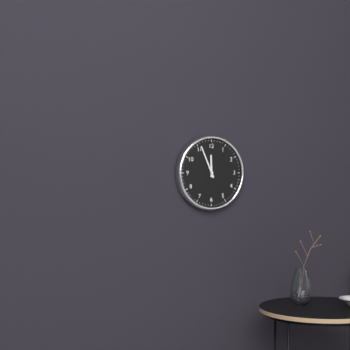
11h56
